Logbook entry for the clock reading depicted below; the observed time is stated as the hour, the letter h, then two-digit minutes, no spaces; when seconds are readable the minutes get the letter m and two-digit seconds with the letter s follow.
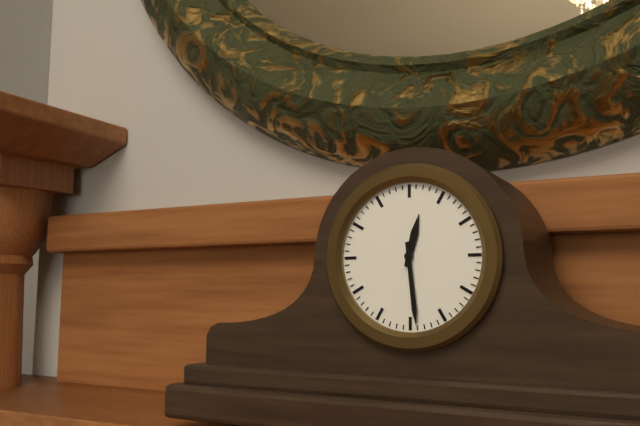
12h29
